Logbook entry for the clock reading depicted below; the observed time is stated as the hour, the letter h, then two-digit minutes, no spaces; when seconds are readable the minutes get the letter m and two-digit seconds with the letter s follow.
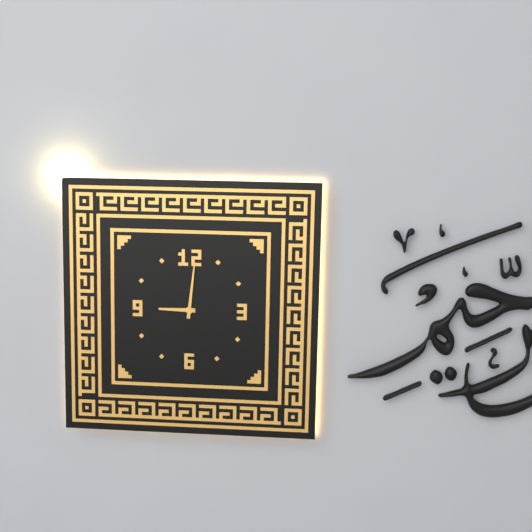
9h01
